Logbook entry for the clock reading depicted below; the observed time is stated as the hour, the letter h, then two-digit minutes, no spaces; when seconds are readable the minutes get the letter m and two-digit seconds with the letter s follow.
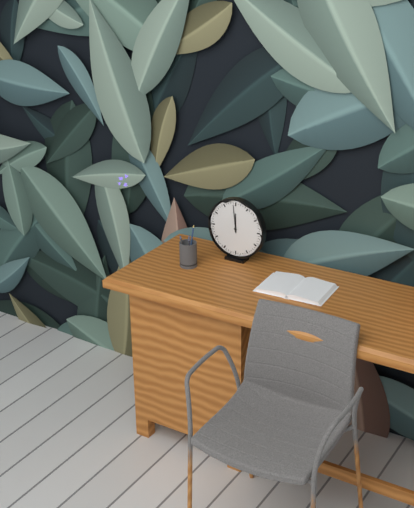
11h59
